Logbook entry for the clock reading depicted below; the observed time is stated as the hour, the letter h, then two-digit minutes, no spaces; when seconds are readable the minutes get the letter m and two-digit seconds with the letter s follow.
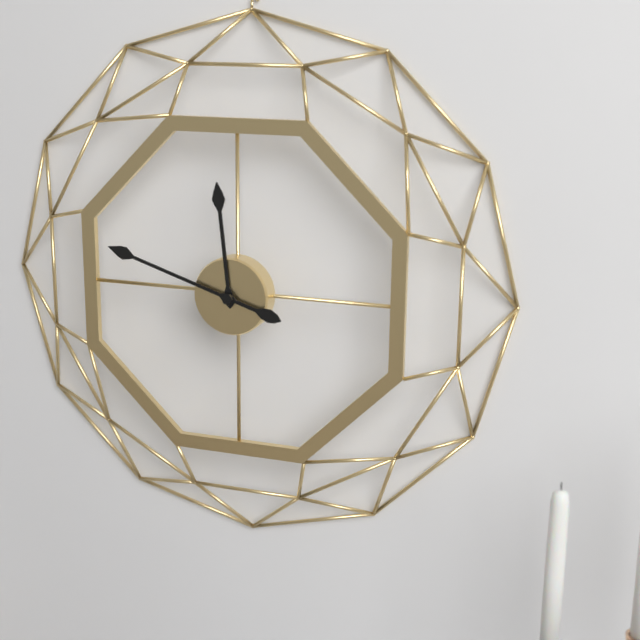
11h48
